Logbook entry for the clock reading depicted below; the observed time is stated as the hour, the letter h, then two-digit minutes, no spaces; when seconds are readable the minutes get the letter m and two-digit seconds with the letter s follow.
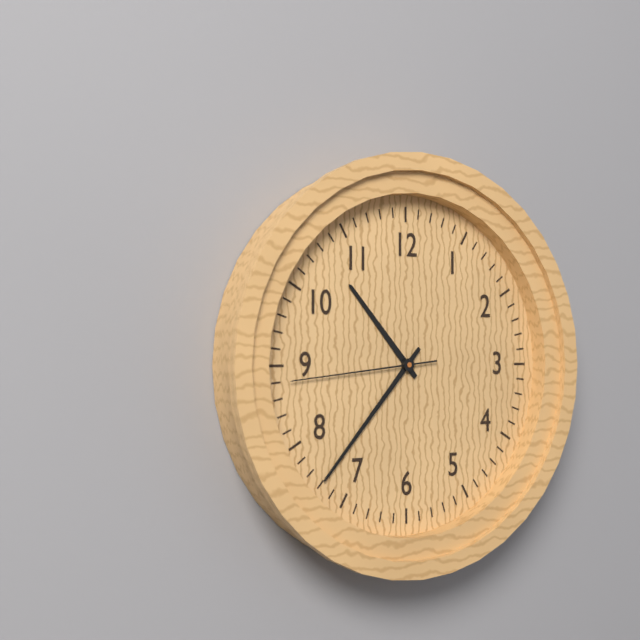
10h37m44s
